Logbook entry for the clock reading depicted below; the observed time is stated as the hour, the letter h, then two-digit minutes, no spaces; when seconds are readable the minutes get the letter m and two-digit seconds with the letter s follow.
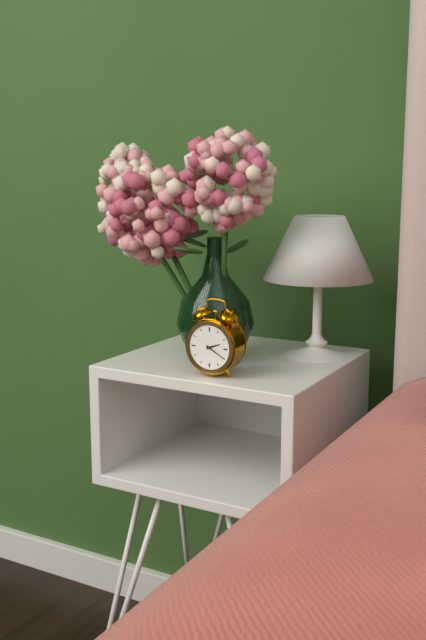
2h20
